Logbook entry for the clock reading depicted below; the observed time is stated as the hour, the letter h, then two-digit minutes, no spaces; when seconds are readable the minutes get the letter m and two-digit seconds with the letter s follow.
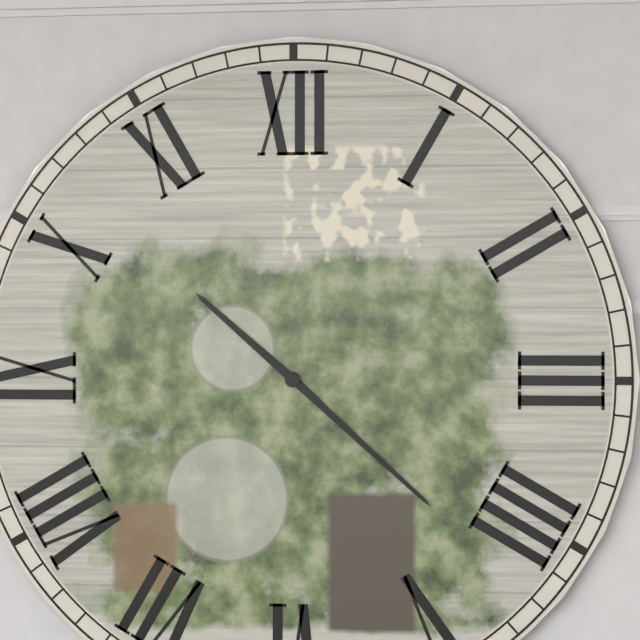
10h22
